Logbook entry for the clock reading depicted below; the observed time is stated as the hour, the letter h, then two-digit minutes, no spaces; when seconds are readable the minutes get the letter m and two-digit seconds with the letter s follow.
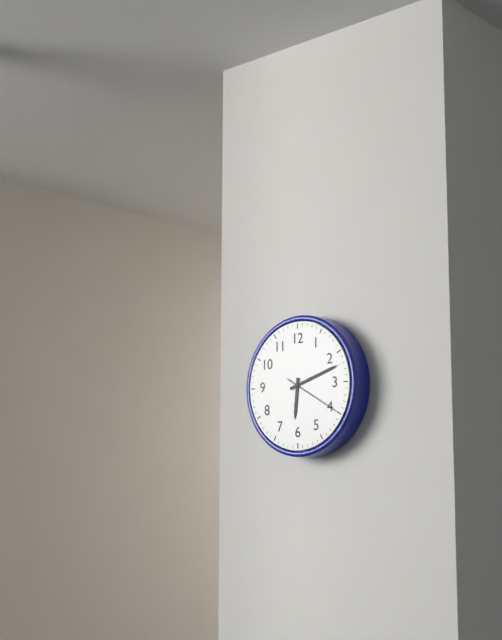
6h12m20s
